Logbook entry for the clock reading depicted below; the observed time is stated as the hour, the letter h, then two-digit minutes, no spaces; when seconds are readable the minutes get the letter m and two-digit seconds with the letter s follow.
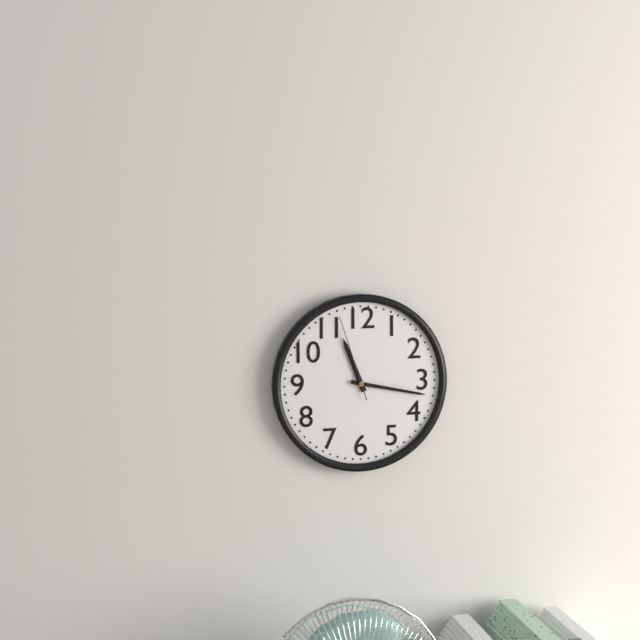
11h17m57s
